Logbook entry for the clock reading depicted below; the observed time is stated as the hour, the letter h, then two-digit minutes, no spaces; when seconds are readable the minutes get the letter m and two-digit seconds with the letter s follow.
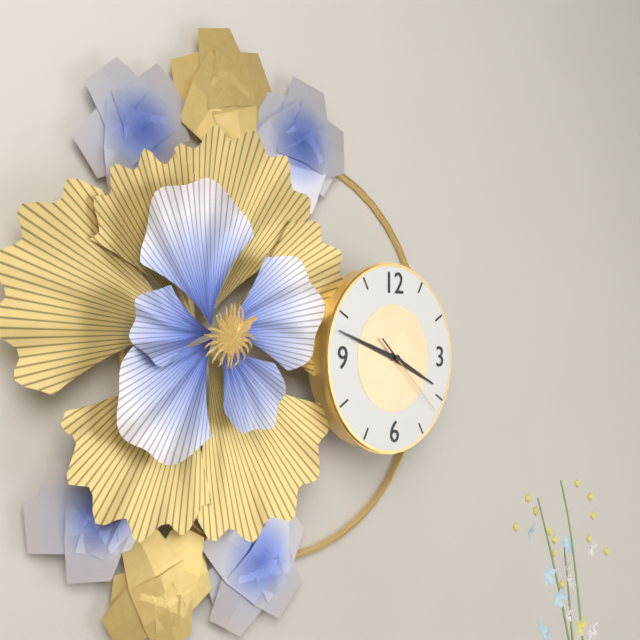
3h48m22s
